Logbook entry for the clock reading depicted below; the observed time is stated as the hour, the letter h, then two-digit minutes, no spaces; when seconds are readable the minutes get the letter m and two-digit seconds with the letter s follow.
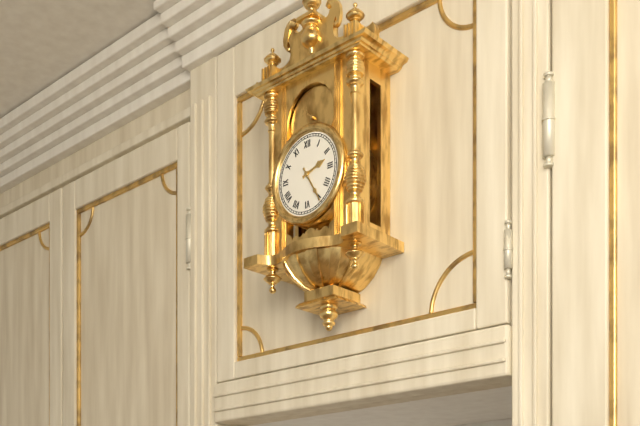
2h25
